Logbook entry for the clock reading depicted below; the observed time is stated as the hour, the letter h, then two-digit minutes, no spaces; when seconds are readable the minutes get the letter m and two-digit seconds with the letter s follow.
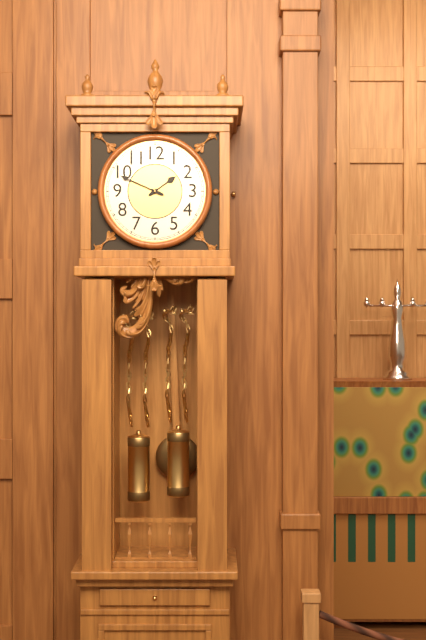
1h49
